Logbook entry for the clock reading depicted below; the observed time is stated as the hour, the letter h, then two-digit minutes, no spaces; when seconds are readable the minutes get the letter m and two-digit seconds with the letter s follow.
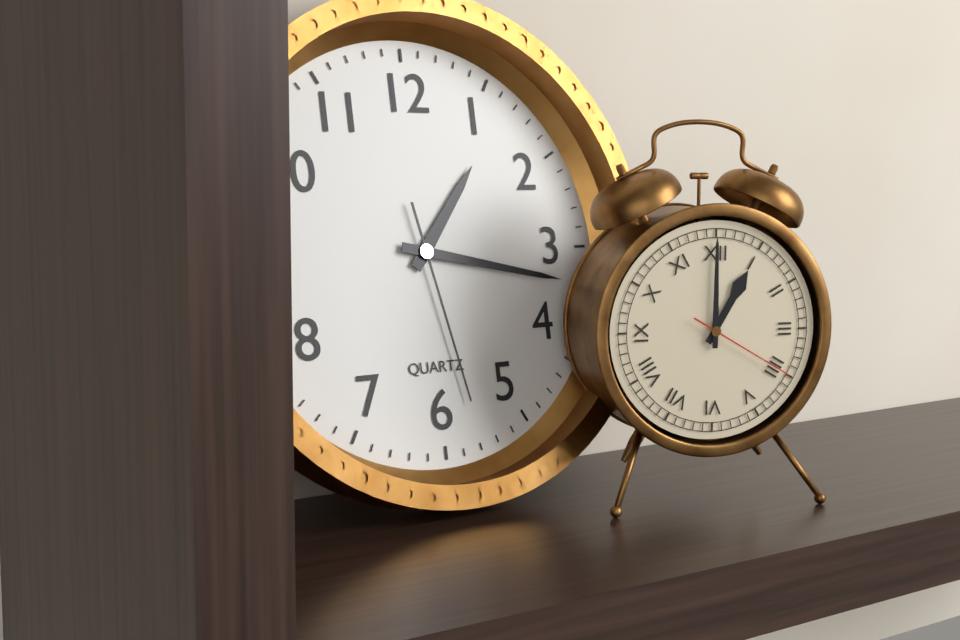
1h17m28s
